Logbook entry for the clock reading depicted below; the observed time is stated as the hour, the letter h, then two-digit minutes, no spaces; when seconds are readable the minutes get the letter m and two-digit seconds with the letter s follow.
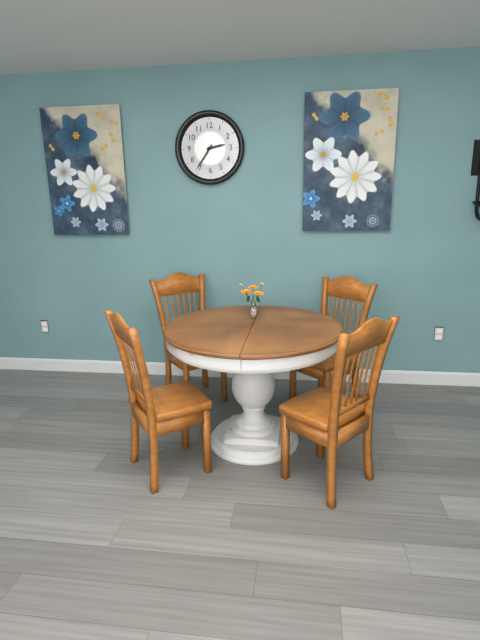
2h36
